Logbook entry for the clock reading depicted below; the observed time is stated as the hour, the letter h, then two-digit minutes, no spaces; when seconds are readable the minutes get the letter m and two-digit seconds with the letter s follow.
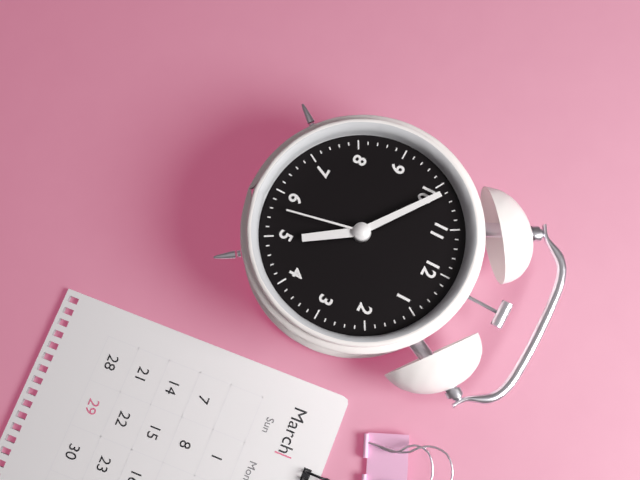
4h51m28s
